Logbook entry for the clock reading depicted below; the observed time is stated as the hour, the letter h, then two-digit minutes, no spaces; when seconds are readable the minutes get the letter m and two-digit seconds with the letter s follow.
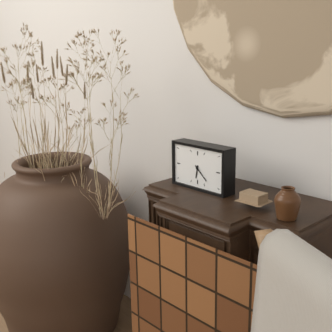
6h22
